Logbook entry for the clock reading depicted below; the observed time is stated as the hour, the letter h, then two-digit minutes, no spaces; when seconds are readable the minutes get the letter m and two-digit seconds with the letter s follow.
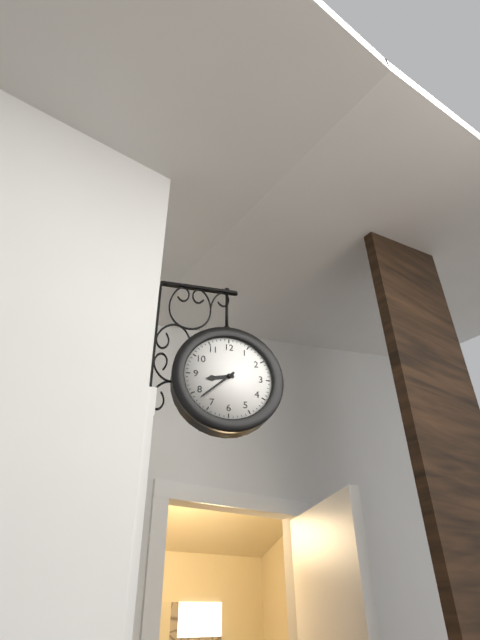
8h38
